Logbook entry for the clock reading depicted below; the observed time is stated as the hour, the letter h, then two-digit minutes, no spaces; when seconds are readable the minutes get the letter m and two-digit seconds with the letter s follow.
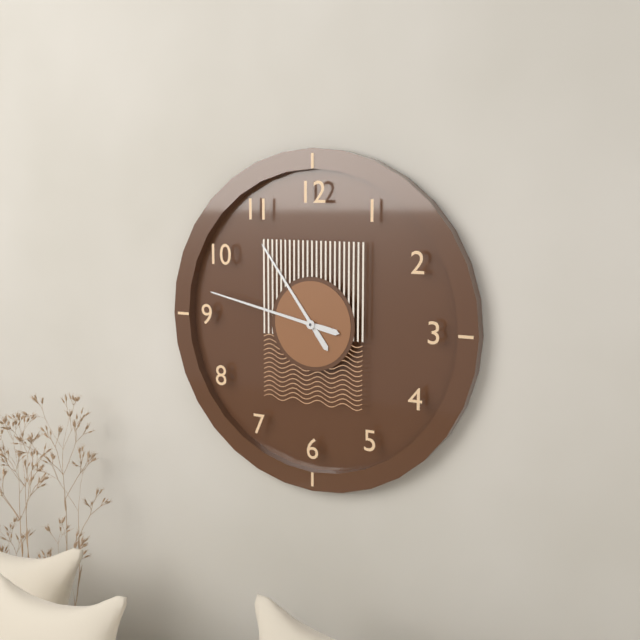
10h47
